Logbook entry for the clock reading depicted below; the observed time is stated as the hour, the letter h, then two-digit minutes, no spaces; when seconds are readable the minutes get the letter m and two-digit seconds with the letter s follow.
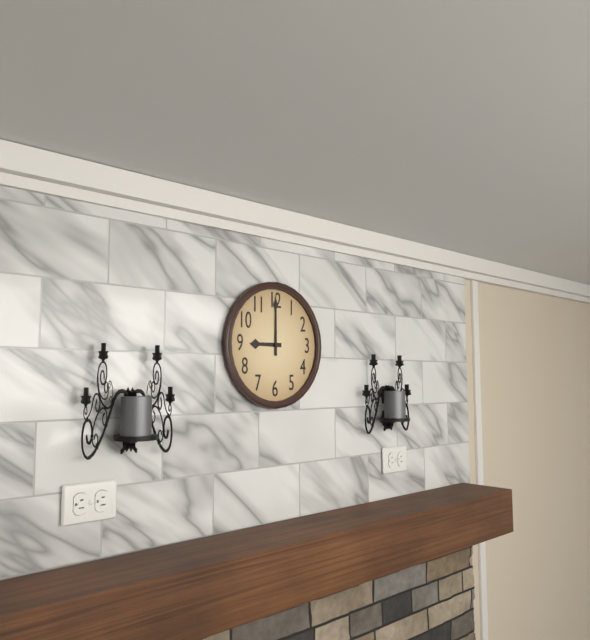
9h00
